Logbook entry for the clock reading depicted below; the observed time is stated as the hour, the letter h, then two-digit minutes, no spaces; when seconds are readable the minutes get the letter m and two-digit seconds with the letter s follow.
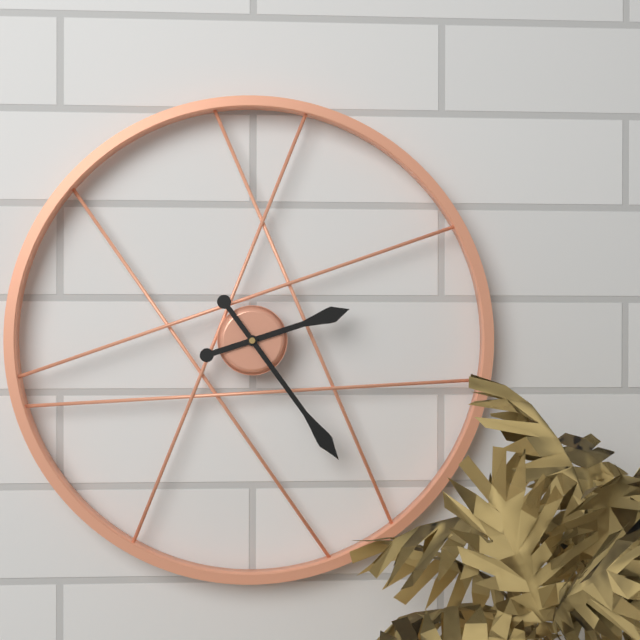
2h24
